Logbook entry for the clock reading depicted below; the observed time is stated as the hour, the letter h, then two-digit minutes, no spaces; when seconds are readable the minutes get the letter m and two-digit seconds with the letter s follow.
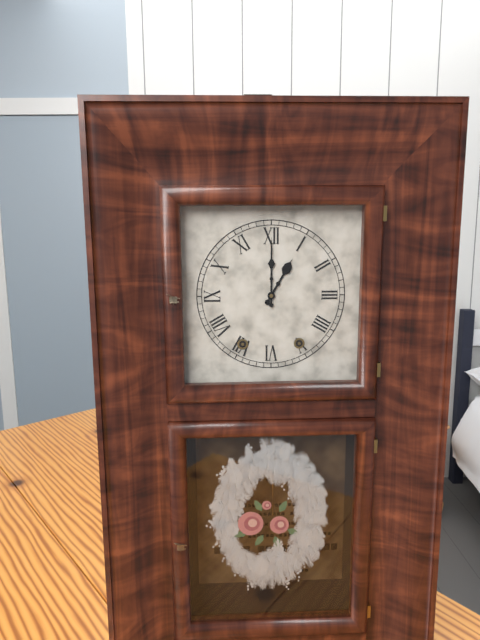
1h00
